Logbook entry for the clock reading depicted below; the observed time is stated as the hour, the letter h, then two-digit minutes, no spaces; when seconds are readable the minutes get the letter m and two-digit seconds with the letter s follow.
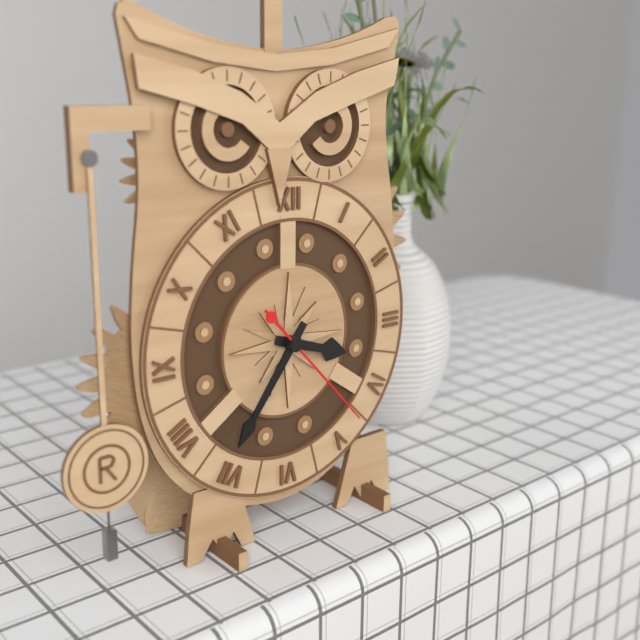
3h36m23s
